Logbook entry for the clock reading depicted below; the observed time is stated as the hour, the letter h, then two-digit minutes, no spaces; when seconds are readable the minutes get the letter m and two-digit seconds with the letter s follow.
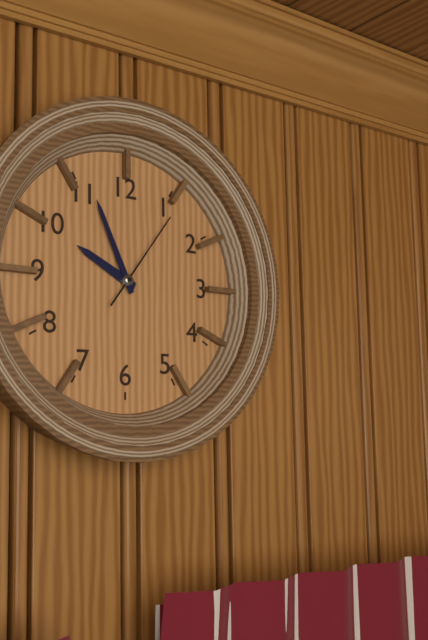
9h56m06s
